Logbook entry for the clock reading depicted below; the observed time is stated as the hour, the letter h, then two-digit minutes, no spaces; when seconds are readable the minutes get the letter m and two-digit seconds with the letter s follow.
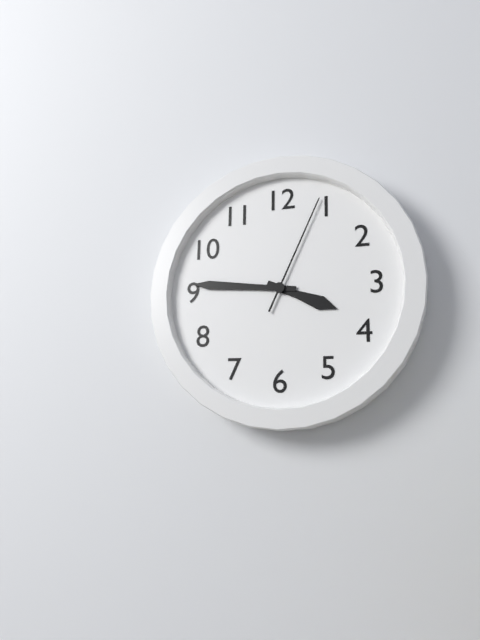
3h46m04s
